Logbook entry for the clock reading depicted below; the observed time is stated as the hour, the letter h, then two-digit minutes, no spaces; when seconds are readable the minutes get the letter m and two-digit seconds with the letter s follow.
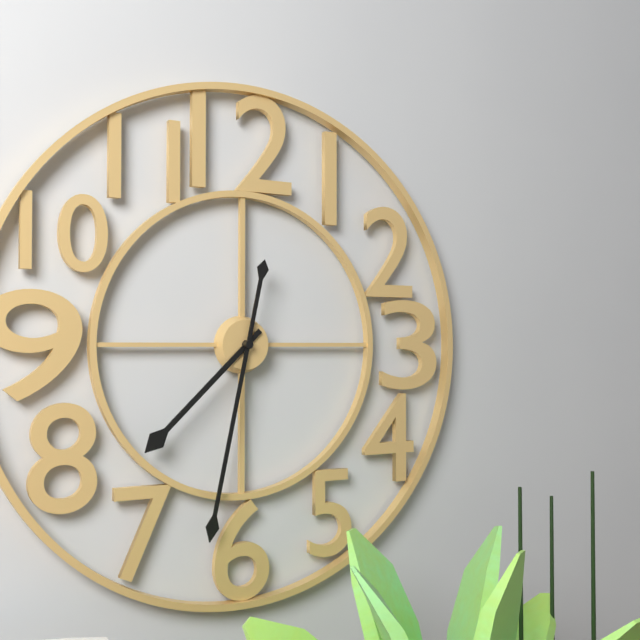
7h32
